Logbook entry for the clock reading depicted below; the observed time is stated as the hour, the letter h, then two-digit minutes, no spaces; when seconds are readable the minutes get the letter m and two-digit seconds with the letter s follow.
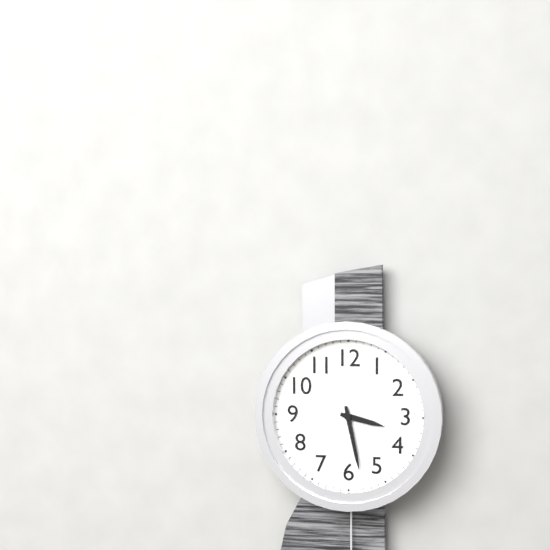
3h28
